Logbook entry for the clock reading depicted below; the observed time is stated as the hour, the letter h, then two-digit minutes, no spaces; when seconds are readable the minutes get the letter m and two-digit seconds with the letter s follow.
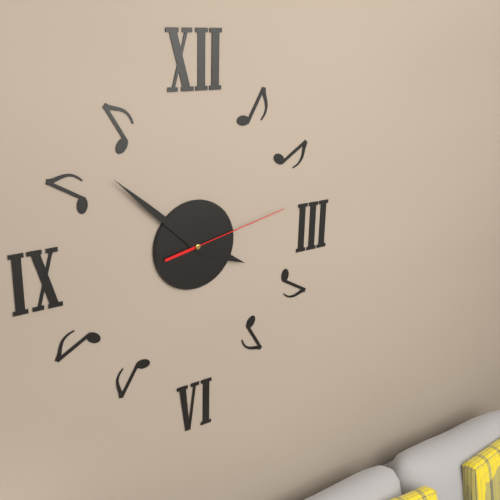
3h52m13s
